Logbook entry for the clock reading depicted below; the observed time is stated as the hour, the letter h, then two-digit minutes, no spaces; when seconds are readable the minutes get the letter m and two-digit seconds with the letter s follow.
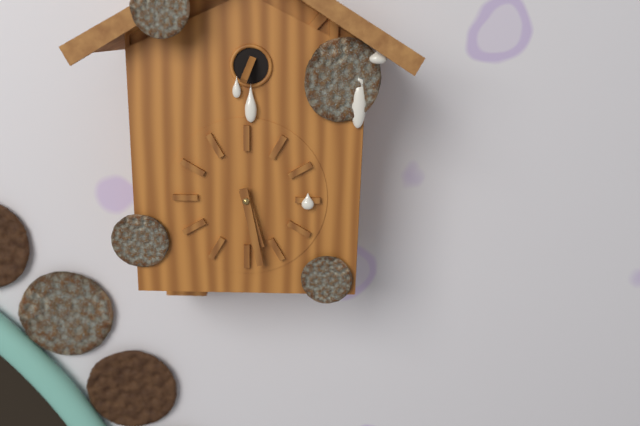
5h28
